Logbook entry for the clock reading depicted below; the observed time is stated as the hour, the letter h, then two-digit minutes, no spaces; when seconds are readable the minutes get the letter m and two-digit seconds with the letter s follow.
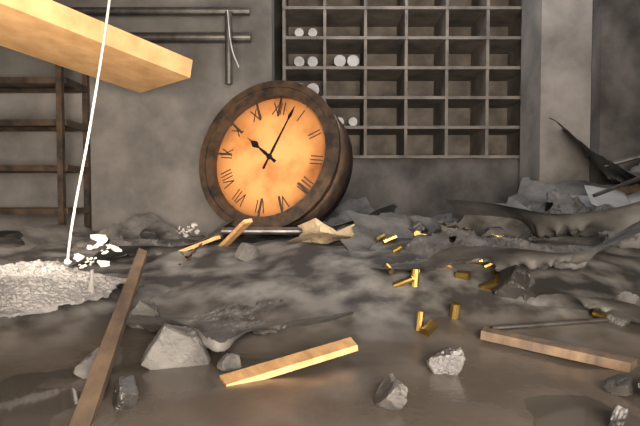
10h03
